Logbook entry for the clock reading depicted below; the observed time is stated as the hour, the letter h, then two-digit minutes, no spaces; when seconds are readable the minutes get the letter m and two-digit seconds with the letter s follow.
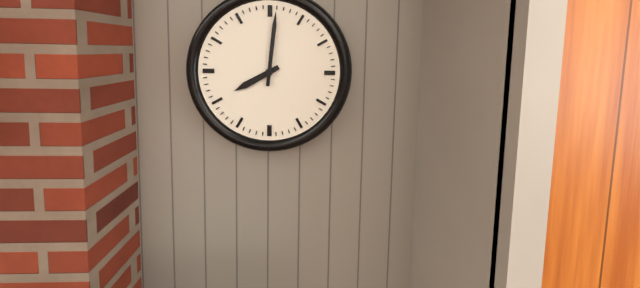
8h01
